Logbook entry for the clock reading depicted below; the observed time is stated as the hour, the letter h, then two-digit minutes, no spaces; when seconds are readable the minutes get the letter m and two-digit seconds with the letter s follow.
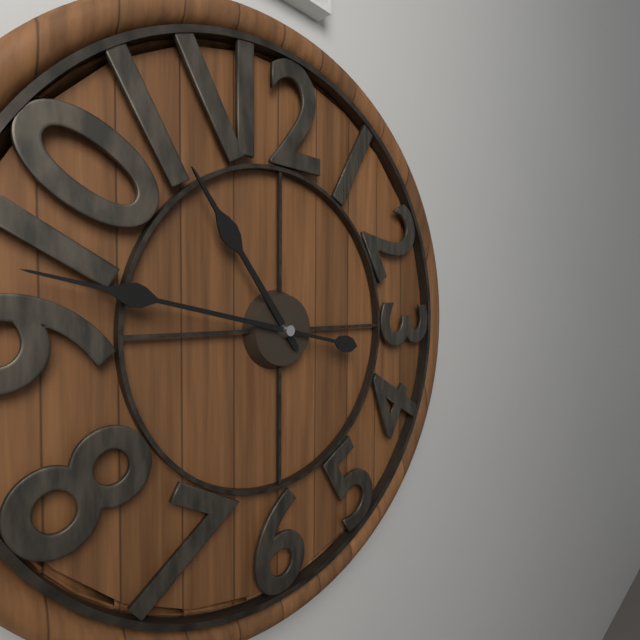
10h47
